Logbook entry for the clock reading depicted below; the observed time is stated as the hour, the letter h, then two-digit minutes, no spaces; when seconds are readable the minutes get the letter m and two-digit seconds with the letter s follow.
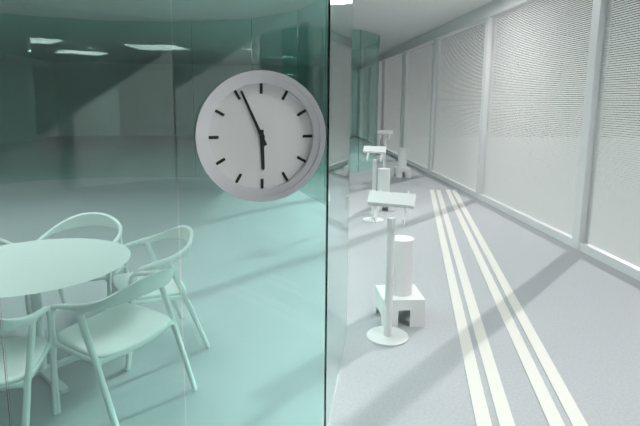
5h56
